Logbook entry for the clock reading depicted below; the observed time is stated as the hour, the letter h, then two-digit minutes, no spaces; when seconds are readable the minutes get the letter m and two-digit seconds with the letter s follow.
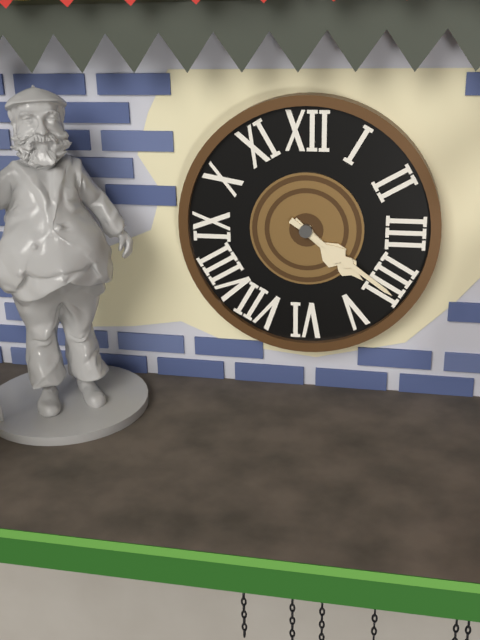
4h21
